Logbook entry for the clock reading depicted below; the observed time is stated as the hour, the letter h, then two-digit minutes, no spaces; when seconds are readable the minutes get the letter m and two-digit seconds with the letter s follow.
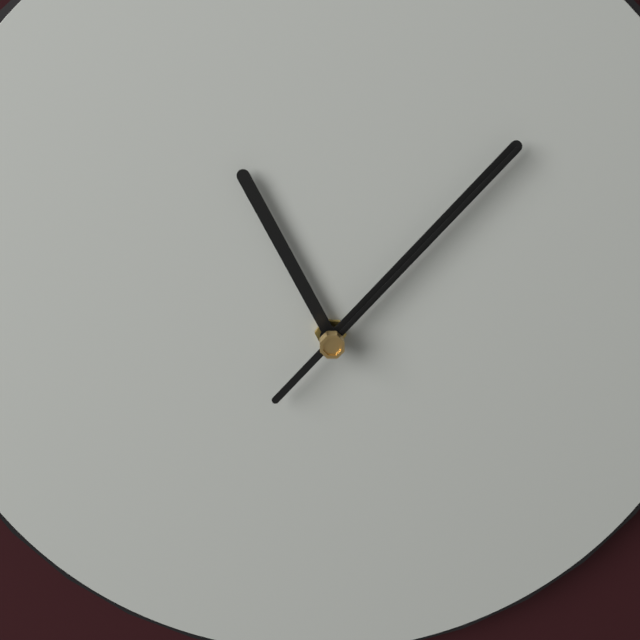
11h07m07s
